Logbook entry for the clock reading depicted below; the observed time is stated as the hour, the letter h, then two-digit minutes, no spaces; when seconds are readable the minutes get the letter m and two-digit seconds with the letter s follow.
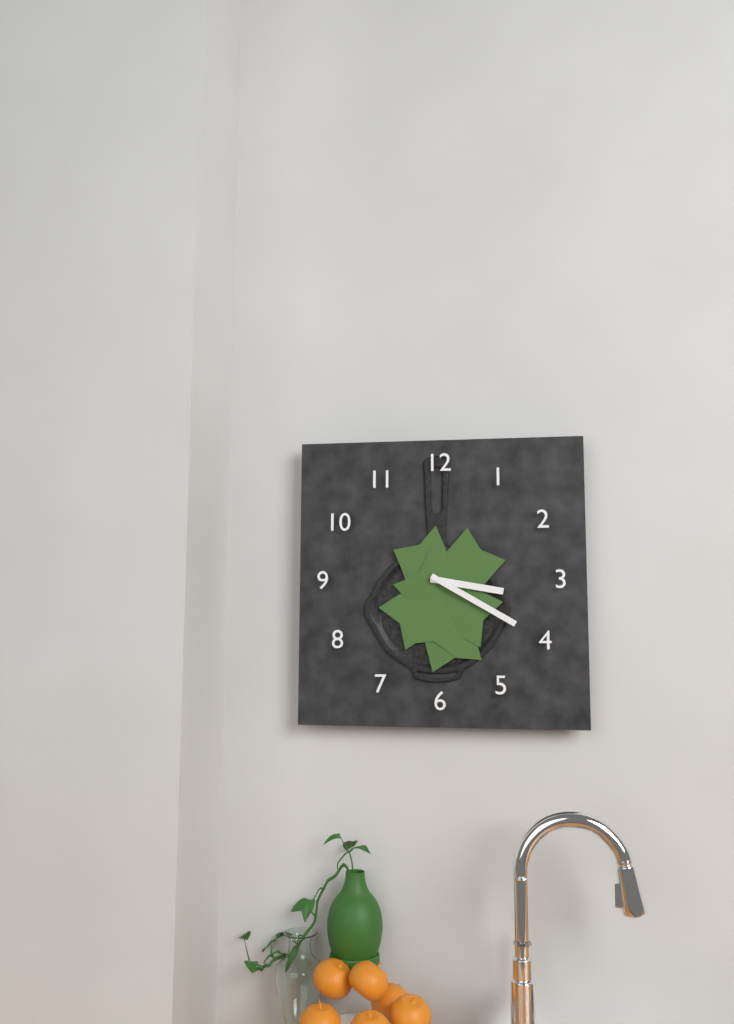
3h20
